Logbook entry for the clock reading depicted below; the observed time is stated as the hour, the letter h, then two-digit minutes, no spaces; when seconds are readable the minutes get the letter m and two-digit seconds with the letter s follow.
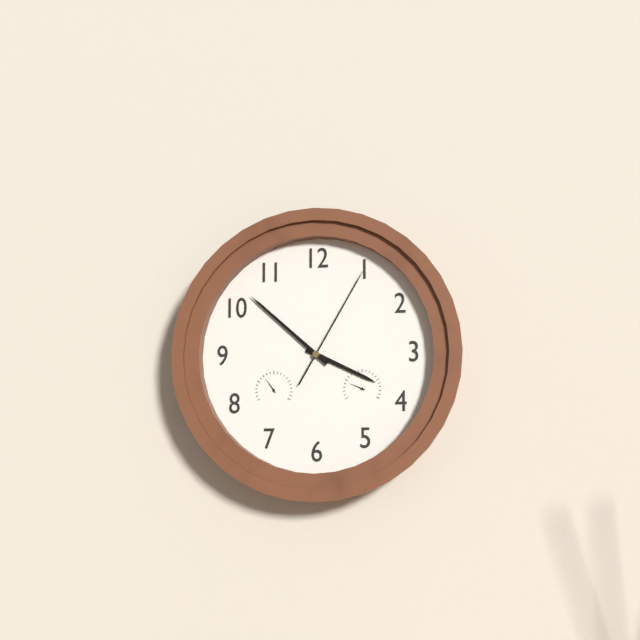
3h52m05s
